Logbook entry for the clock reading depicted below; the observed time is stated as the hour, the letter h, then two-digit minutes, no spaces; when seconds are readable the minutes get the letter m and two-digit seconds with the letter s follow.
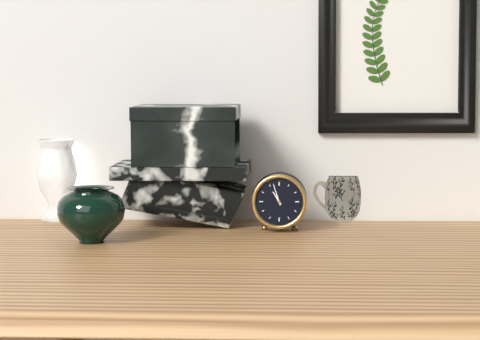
10h57
